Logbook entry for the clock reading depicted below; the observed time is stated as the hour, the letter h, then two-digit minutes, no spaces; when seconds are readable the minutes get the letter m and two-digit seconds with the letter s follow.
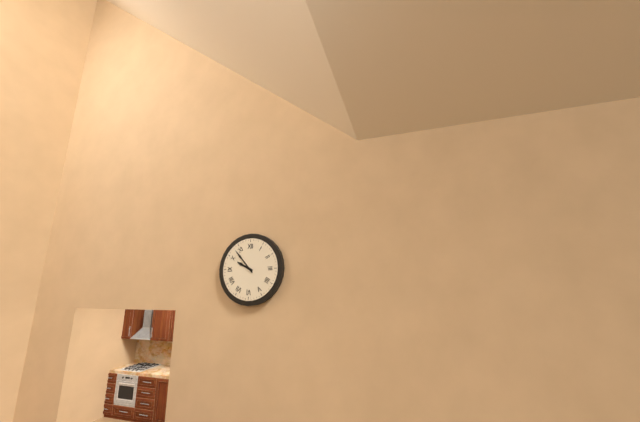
9h53
